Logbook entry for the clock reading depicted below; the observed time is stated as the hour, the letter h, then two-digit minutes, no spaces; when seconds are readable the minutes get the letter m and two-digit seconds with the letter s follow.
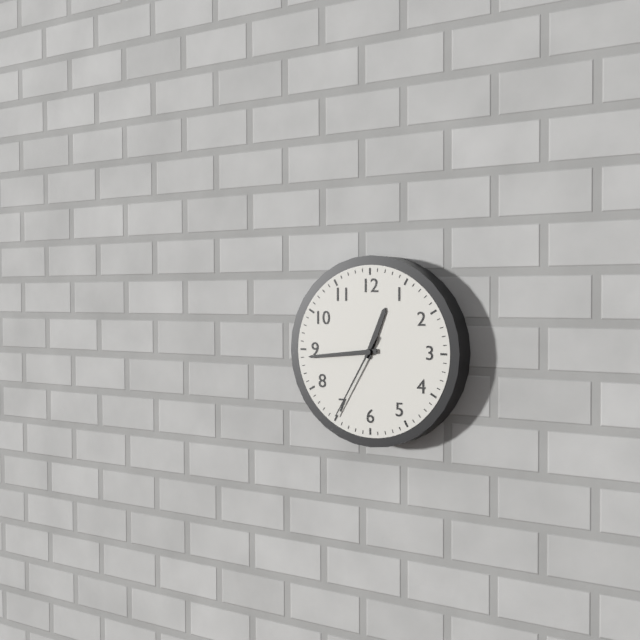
12h44m35s
